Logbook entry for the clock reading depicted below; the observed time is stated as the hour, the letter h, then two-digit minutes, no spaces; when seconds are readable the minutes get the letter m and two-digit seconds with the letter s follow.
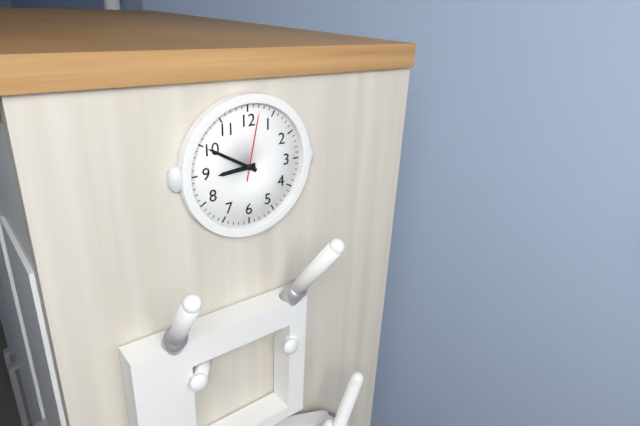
8h50m02s
